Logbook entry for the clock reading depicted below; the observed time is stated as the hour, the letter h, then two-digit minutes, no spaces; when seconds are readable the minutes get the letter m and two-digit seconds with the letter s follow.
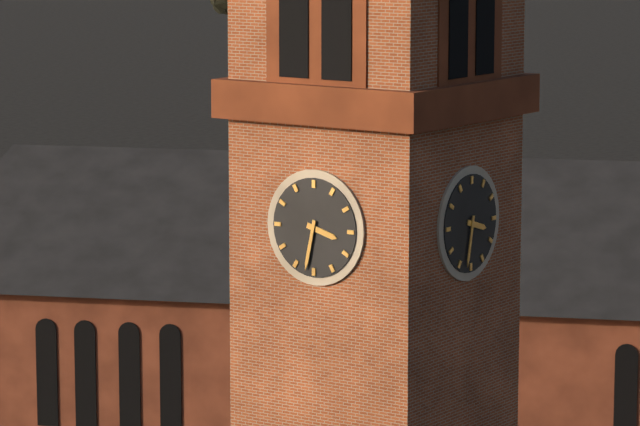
3h32
